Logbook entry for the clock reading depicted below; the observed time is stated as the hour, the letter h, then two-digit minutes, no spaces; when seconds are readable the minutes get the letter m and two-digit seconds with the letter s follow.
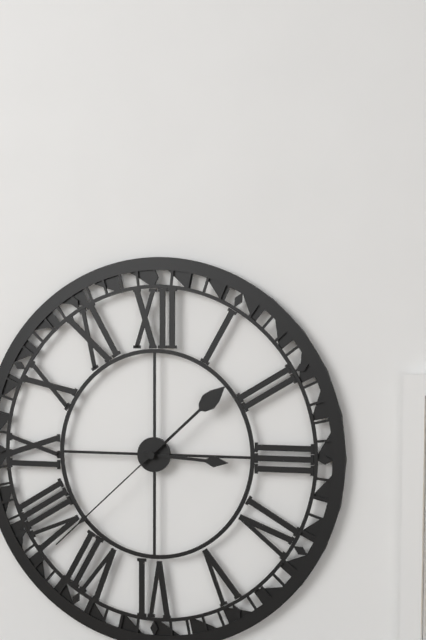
3h08m38s
